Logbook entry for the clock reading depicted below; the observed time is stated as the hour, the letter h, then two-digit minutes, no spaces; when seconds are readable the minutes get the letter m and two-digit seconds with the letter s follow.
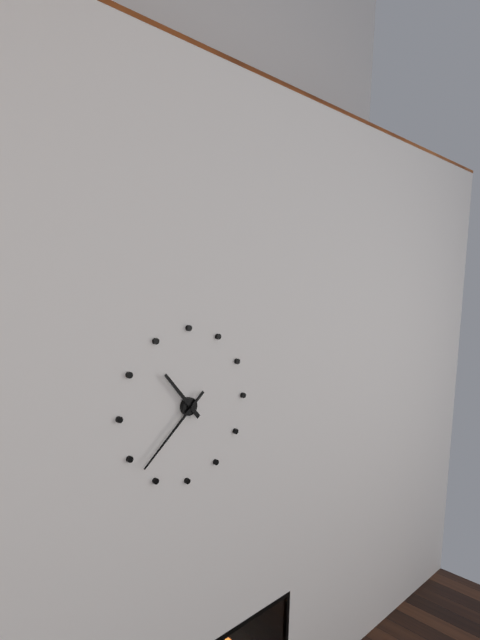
10h38
